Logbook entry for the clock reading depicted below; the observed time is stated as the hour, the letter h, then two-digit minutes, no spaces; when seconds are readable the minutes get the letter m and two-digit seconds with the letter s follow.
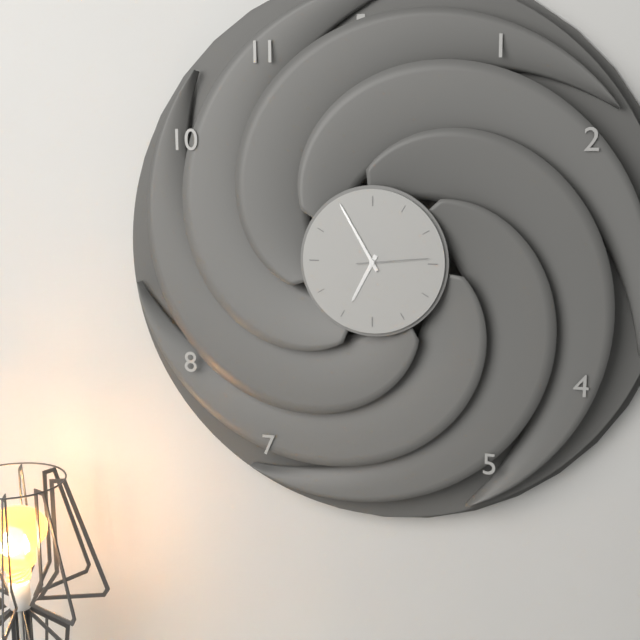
6h55m14s
